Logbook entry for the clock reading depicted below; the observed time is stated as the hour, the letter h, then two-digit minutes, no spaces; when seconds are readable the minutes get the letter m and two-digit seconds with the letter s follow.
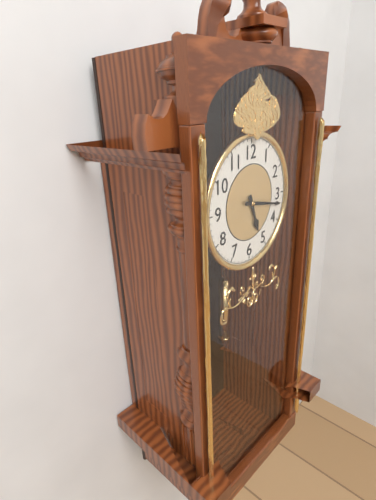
5h17
